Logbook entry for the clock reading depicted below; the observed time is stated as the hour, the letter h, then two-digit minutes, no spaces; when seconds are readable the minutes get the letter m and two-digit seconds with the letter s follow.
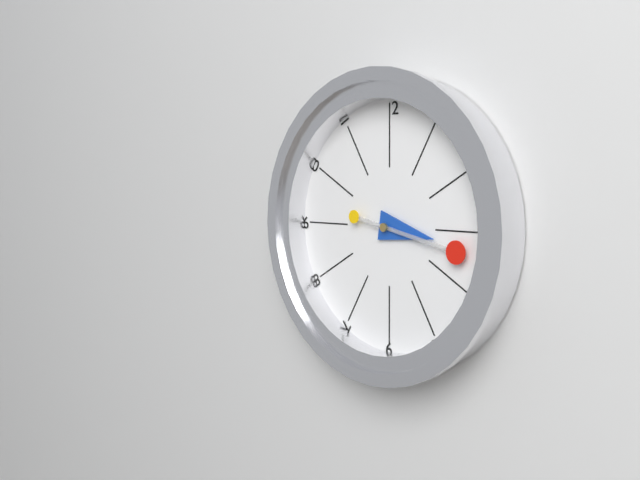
3h17
